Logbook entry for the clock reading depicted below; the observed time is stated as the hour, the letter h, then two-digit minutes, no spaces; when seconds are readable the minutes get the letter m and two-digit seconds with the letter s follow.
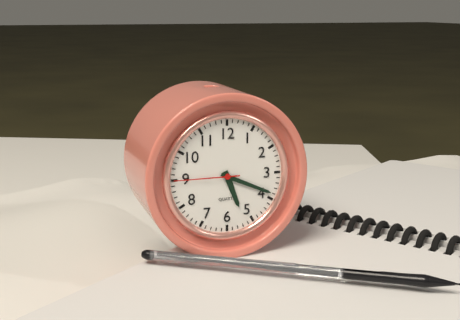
5h19m45s
